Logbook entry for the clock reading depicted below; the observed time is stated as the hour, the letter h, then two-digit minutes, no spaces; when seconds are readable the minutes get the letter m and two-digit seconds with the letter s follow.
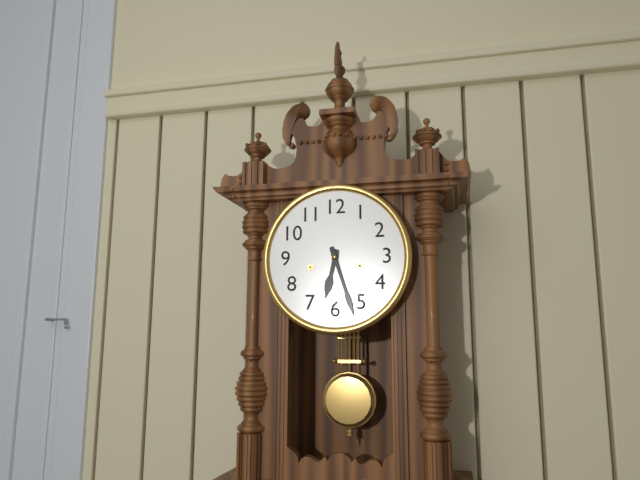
6h27
